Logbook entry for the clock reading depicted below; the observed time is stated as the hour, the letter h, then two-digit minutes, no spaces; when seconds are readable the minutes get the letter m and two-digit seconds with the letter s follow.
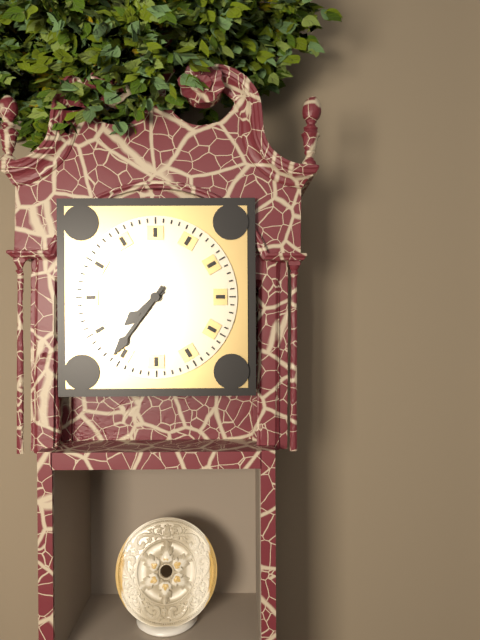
7h36
